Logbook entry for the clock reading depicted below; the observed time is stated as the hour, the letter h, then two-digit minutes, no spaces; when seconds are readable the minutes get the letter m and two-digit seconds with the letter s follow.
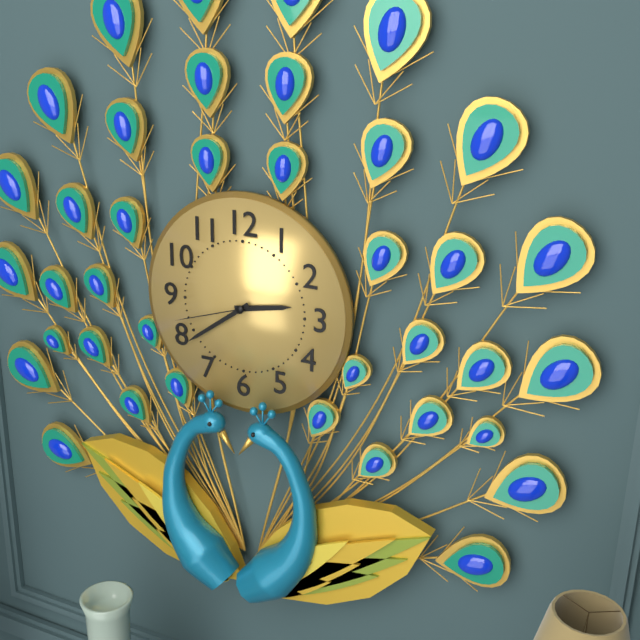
2h39m42s
